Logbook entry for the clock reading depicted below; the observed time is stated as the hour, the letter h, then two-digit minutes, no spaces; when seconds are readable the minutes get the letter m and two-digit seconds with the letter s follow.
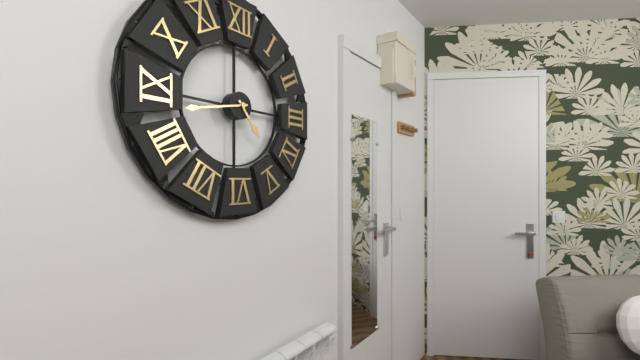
4h43
